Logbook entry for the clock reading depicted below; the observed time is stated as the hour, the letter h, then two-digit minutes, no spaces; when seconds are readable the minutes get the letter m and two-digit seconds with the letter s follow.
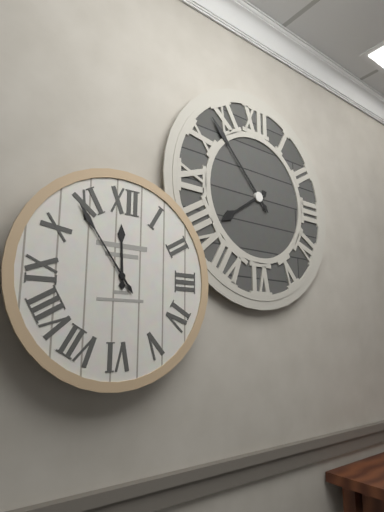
11h54
